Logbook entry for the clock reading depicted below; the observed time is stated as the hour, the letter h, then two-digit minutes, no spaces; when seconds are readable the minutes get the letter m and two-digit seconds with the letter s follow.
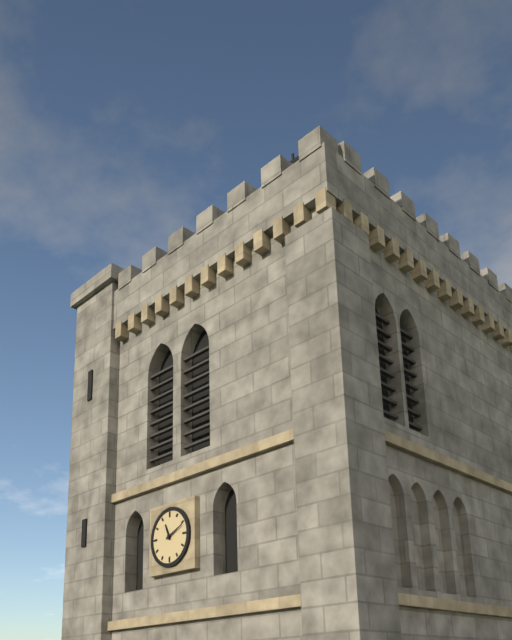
11h11
